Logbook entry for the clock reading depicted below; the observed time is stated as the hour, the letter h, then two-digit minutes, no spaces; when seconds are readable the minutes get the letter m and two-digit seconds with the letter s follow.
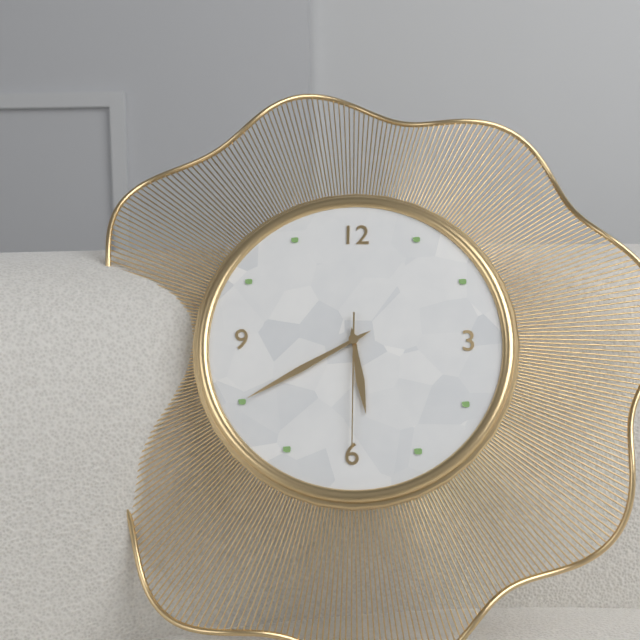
5h40m30s
